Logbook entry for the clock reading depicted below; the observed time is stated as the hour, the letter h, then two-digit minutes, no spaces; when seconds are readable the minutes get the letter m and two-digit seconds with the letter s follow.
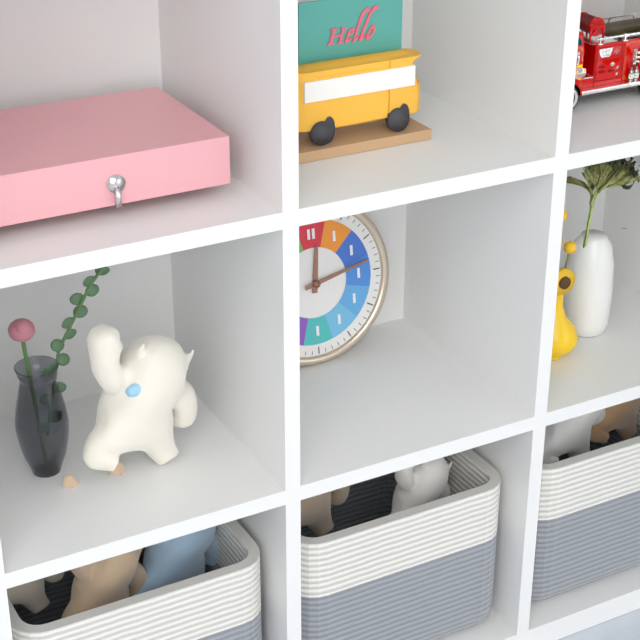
12h13
